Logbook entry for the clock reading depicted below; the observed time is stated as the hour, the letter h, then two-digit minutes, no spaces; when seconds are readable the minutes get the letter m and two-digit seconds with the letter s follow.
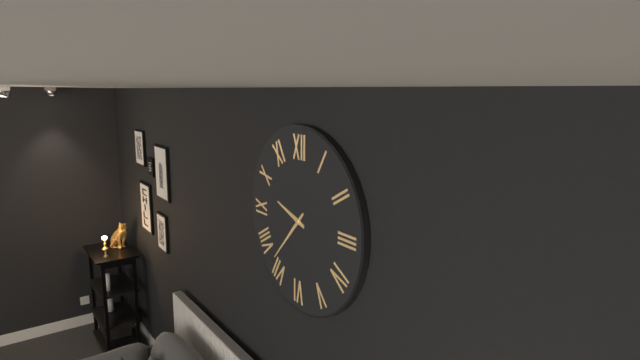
9h37
